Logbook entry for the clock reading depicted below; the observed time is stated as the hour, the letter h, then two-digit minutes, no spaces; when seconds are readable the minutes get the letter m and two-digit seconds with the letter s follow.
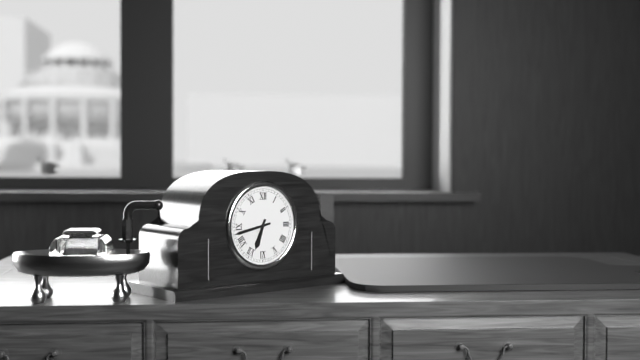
6h43
